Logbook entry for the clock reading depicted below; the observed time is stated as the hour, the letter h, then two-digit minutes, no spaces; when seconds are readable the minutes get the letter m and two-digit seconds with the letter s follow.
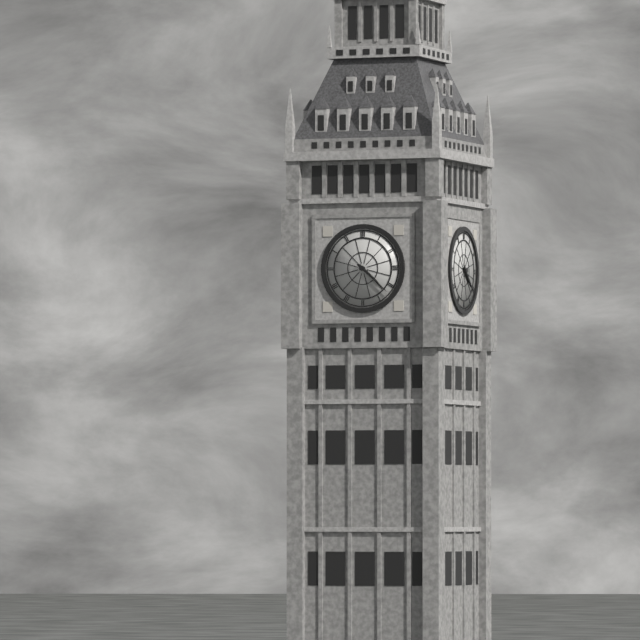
4h22
